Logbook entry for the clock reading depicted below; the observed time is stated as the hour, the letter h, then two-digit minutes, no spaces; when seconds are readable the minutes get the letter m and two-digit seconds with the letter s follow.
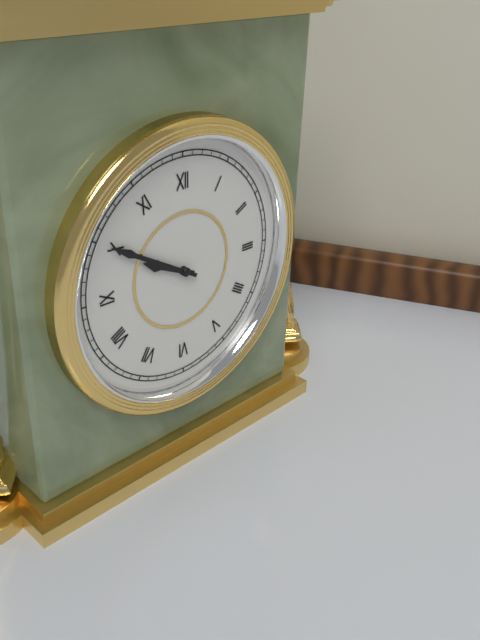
9h50
